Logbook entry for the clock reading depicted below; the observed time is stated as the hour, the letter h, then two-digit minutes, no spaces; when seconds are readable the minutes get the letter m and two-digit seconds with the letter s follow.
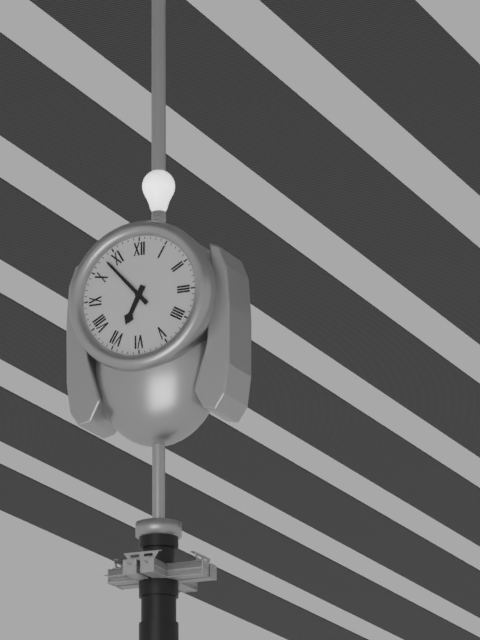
6h53
